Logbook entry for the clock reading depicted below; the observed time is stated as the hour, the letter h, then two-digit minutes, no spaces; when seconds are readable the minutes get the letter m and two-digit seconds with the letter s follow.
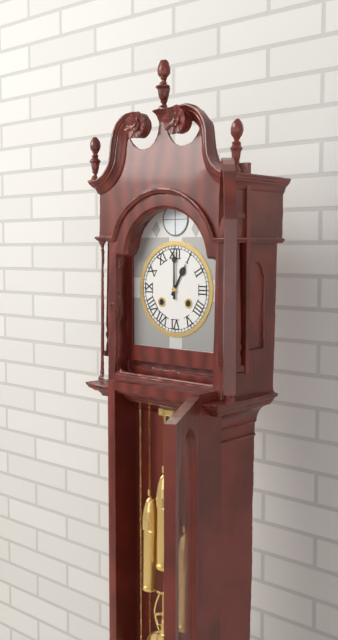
1h00
